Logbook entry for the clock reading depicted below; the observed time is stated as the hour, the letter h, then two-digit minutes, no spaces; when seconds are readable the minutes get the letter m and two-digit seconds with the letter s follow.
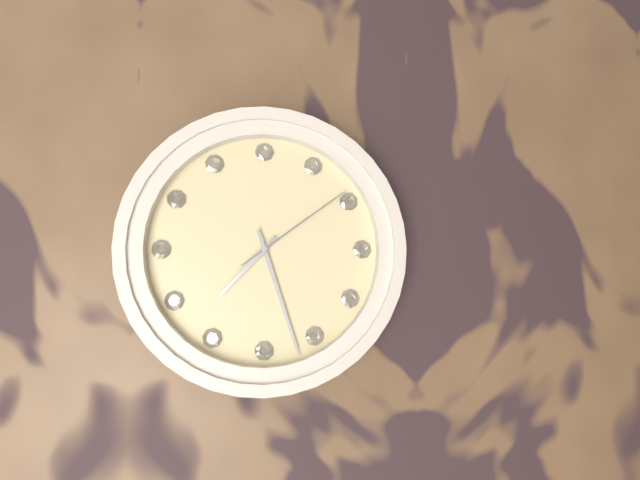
7h27m09s
